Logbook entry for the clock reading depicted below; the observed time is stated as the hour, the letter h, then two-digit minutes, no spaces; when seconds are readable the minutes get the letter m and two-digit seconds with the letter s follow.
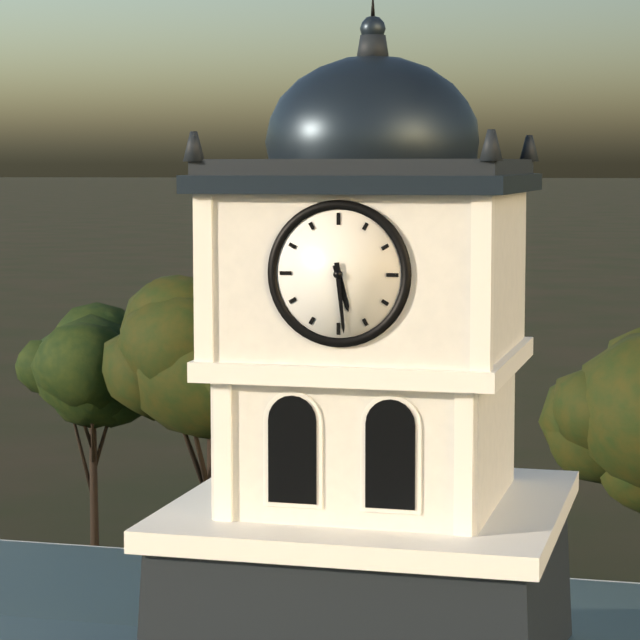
5h29
